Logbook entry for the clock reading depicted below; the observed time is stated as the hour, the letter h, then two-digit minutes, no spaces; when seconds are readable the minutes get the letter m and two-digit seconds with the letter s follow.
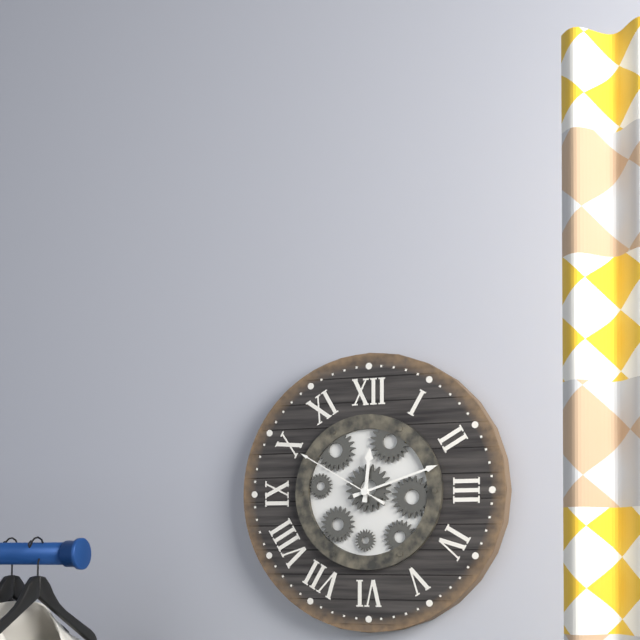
12h12m50s
